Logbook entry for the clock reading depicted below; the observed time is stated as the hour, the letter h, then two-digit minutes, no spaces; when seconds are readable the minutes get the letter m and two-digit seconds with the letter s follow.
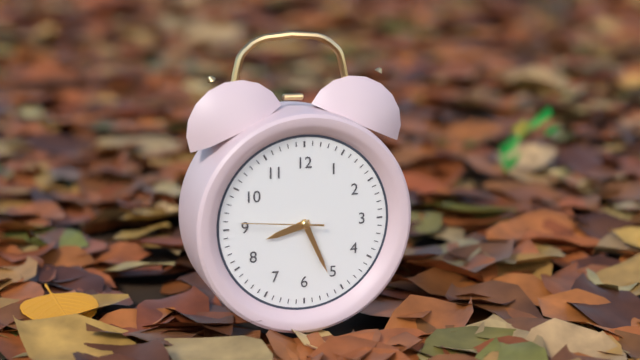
8h26m46s
